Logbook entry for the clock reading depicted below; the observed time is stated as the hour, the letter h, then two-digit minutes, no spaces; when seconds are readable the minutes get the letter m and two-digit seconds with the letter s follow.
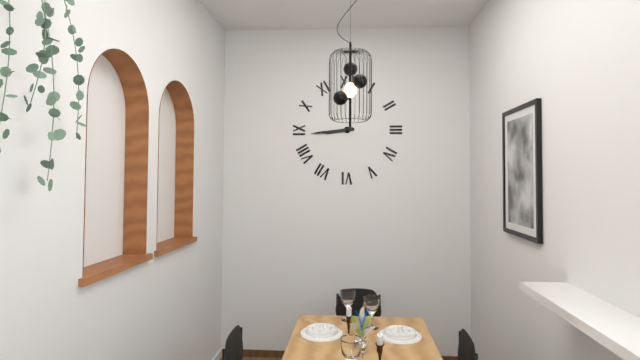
8h44
